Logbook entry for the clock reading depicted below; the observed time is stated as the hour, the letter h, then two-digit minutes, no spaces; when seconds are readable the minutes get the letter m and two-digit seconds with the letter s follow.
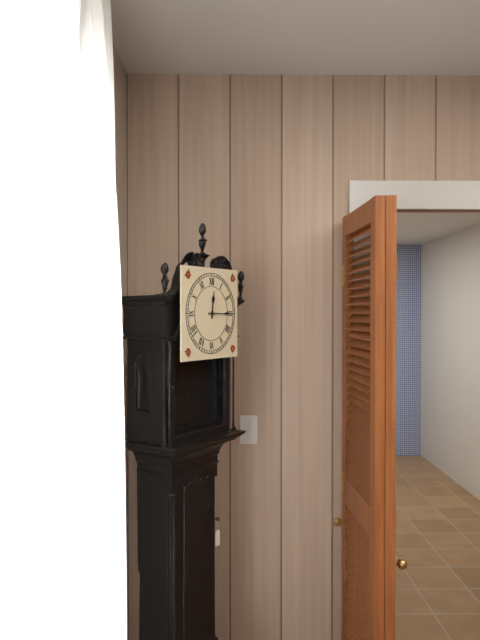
12h15
